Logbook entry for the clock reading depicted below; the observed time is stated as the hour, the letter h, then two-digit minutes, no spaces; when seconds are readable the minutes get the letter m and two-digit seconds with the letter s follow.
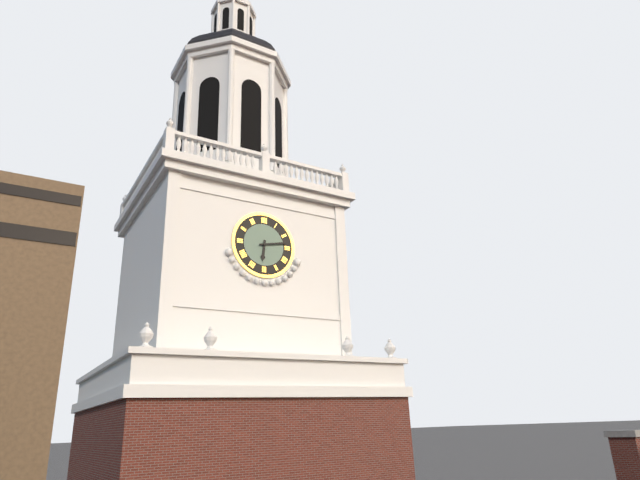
6h13
